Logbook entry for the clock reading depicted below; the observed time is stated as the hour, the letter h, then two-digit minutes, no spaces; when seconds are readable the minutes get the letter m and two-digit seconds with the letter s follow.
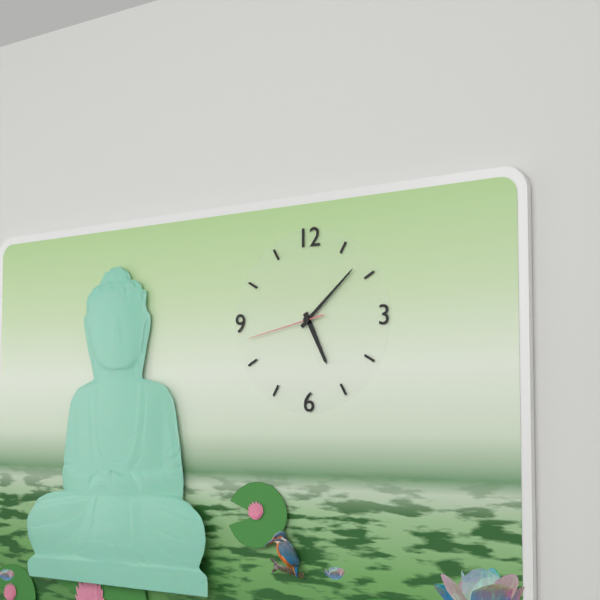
5h08m43s
